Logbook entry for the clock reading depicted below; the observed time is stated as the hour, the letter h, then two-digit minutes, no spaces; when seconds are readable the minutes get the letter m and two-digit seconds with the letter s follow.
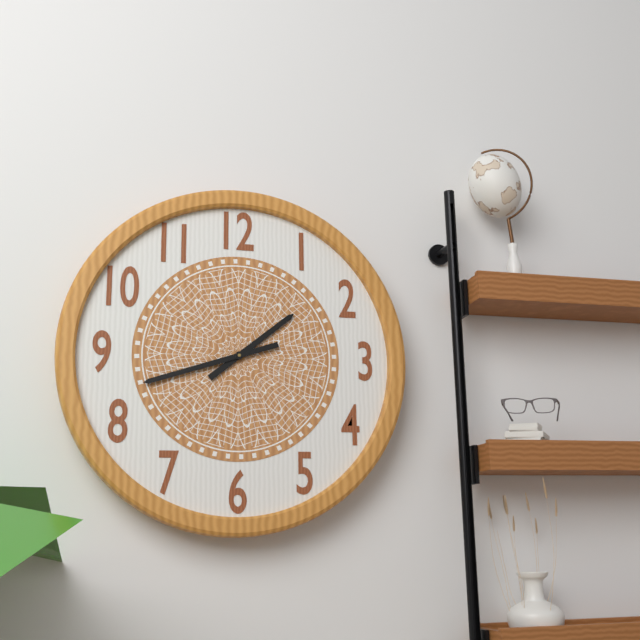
1h42
